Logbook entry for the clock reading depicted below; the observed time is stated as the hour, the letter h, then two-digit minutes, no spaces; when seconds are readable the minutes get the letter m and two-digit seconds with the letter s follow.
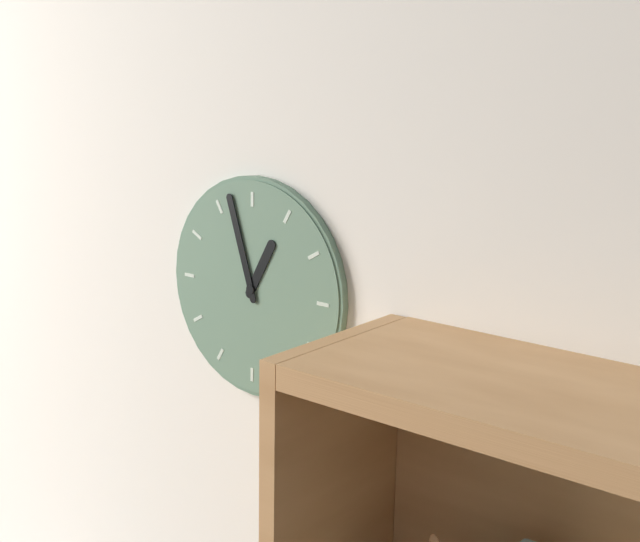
12h57
